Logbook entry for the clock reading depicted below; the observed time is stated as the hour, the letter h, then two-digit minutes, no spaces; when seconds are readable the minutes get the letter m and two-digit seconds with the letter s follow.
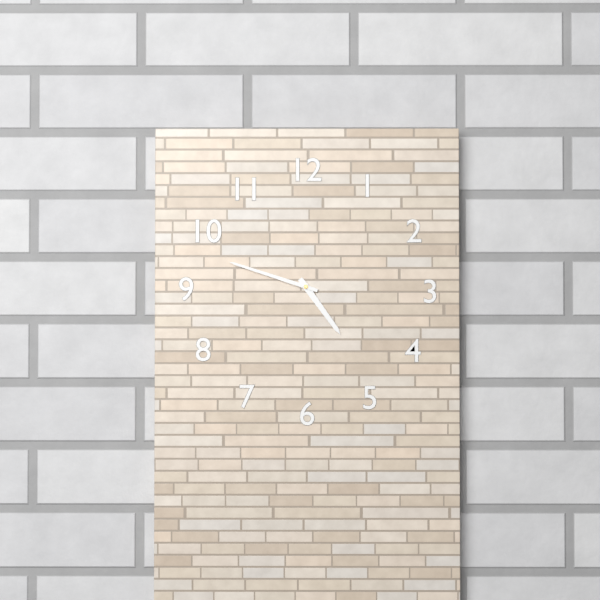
4h48
